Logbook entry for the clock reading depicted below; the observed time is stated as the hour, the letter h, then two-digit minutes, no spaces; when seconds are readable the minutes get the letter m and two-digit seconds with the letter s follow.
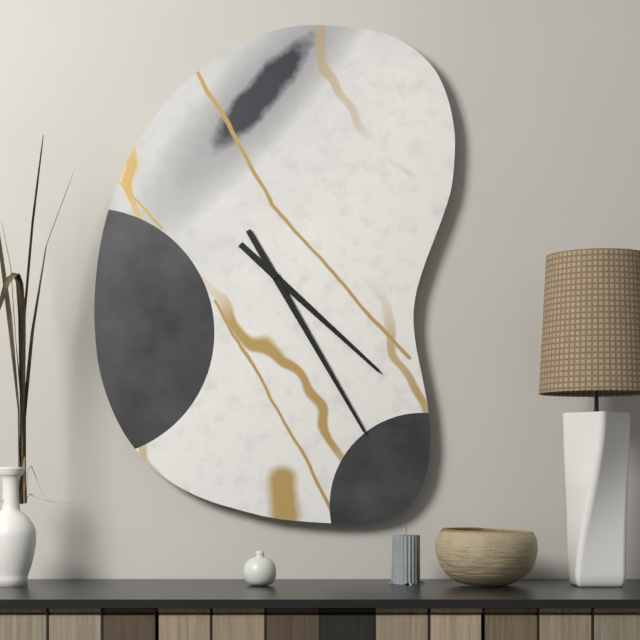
4h25
